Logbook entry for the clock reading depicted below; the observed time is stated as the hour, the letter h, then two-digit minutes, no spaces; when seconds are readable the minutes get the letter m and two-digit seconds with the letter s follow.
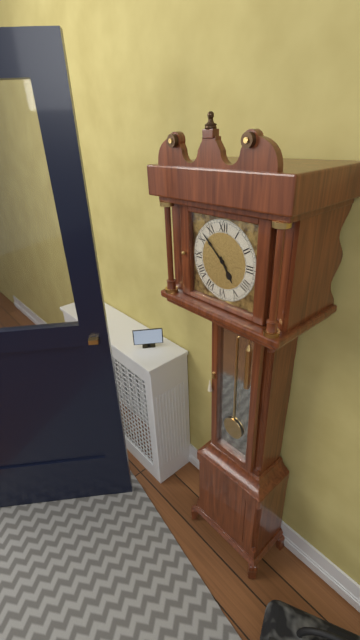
4h52
